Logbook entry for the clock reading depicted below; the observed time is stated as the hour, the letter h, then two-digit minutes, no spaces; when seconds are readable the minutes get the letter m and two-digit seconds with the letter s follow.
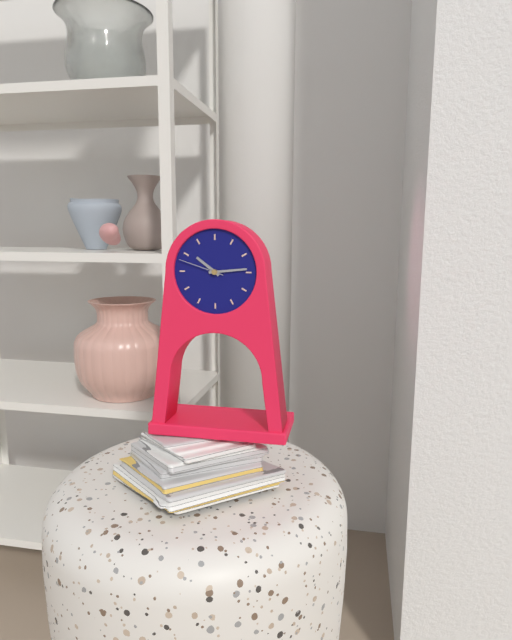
10h14
